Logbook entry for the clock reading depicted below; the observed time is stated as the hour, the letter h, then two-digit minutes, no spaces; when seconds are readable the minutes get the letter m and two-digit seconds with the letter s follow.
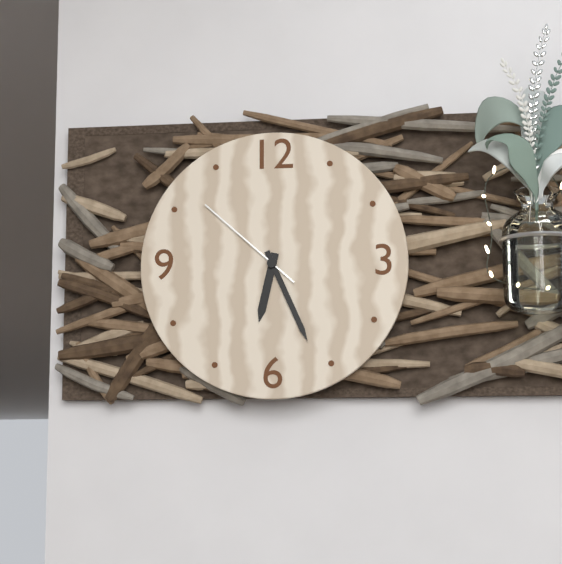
6h26m52s
